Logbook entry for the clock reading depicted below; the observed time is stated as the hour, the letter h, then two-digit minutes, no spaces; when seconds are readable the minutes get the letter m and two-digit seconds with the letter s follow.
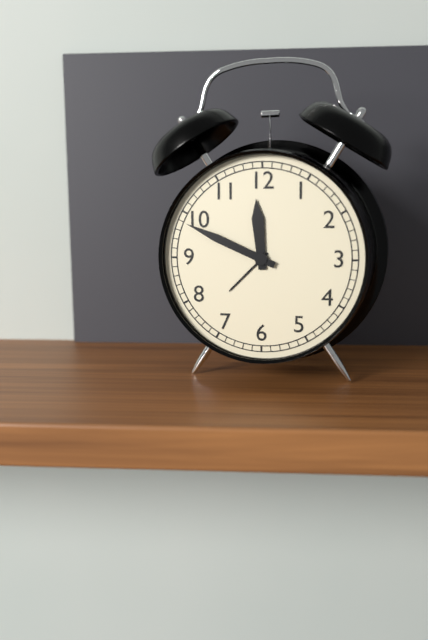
11h49
